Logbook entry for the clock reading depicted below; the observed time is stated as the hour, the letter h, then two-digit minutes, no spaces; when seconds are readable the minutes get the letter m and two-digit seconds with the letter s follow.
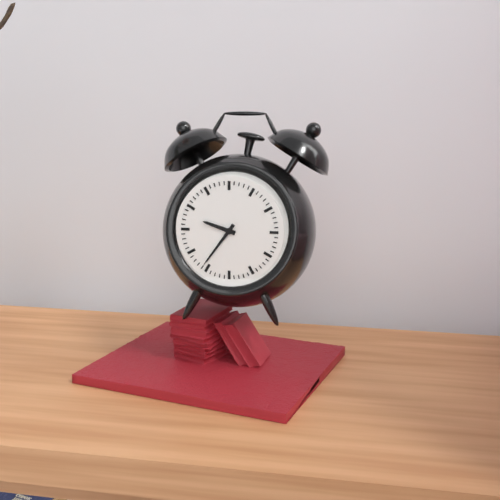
9h36
